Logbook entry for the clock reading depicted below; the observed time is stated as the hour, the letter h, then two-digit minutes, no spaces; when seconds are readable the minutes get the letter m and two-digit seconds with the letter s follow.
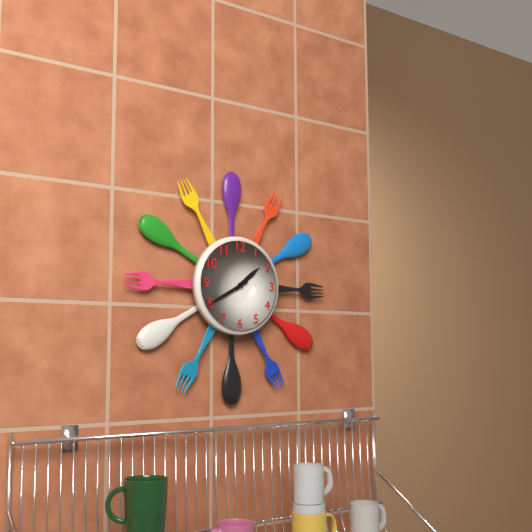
1h40
